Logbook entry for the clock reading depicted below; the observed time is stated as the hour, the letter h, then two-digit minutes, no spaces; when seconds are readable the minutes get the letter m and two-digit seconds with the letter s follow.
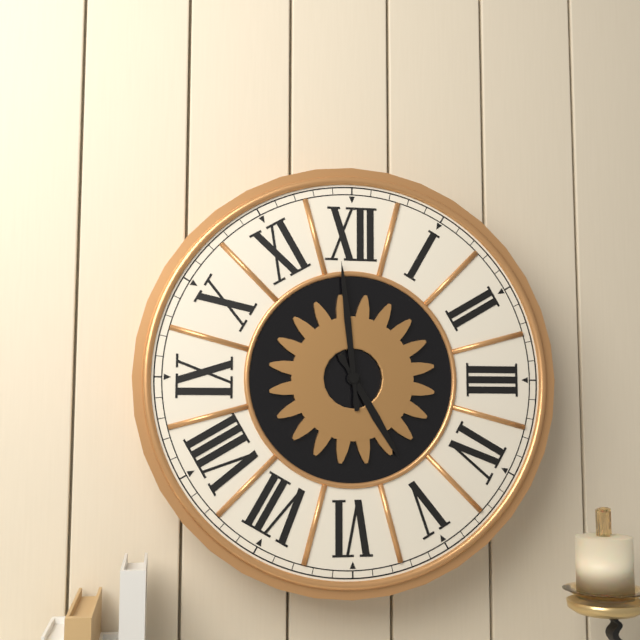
4h59
